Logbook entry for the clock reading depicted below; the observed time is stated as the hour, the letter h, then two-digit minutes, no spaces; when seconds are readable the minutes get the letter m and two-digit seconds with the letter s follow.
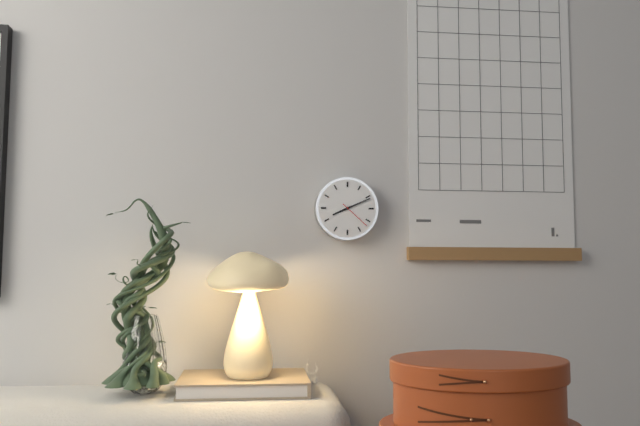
8h11
